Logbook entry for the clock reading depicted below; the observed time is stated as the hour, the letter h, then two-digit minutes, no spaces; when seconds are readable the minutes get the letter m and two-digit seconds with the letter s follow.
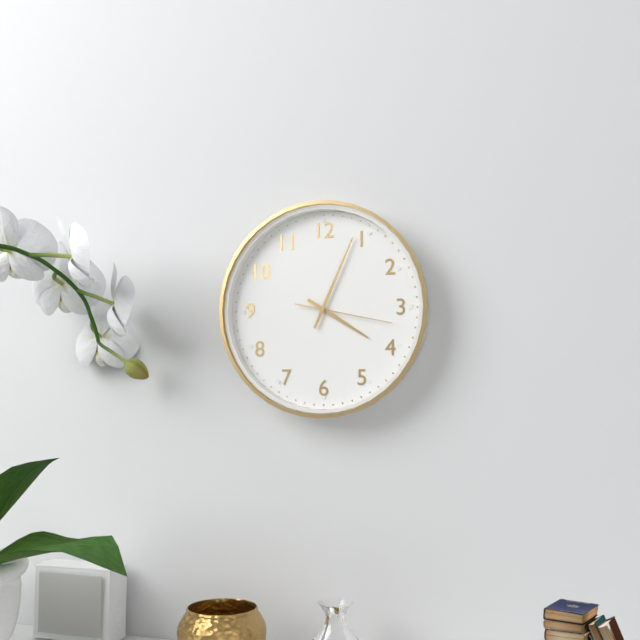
4h04m17s
